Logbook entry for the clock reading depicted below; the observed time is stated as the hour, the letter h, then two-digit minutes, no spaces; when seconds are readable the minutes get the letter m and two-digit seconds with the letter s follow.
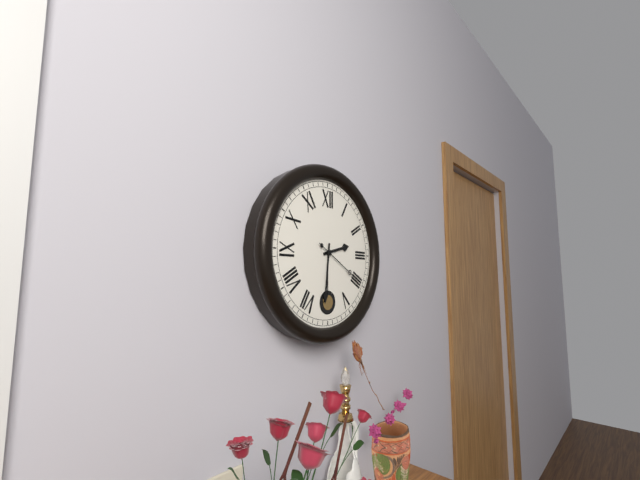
2h31m20s
